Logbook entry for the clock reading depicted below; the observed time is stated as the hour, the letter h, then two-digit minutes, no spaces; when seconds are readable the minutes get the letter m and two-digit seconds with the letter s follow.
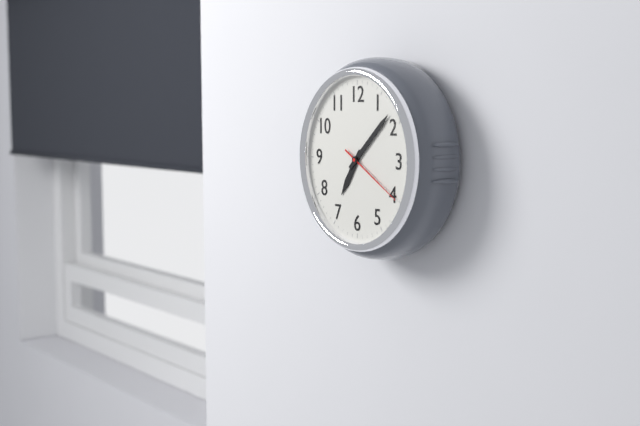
7h08m20s
